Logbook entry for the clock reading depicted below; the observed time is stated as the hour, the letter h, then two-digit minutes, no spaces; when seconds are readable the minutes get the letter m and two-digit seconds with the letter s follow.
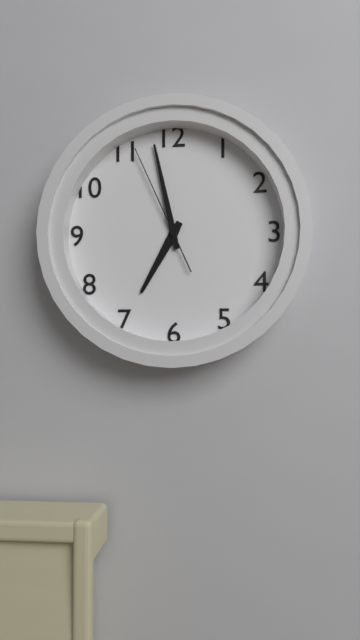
6h58m56s
